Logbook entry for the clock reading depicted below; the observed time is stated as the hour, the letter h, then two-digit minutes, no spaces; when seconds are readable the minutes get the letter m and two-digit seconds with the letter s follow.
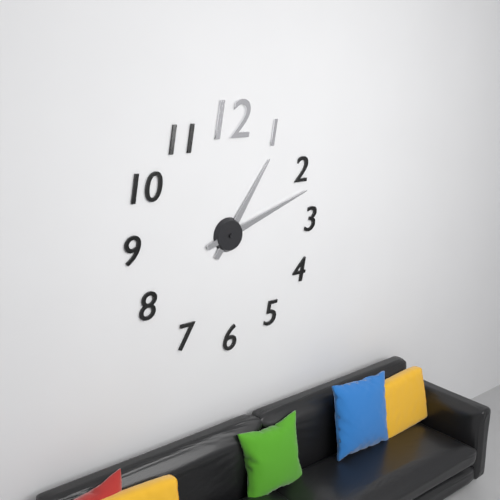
1h12
